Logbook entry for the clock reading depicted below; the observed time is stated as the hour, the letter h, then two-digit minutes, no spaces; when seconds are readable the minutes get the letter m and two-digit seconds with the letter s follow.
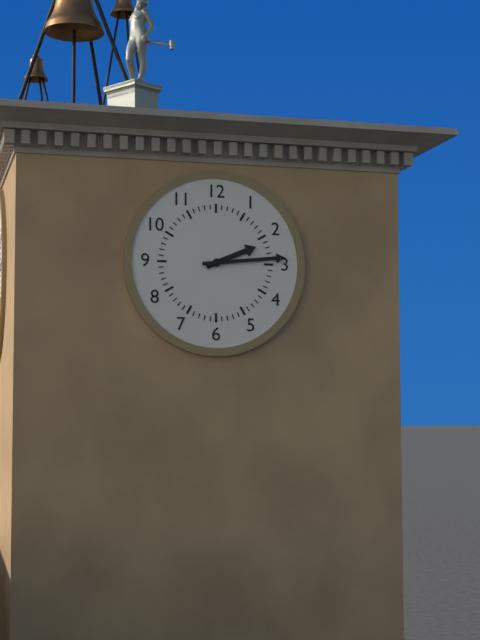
2h14
